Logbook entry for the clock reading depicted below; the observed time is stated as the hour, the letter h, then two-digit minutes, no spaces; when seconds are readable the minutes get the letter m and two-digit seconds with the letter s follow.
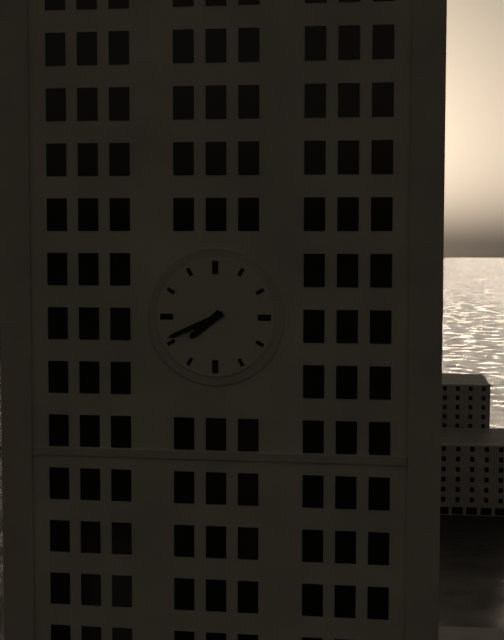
7h41
